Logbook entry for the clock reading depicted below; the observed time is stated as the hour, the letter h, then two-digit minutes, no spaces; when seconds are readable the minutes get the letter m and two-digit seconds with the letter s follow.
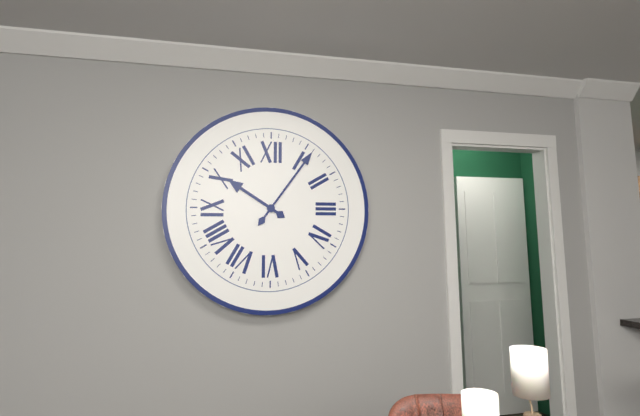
10h06
